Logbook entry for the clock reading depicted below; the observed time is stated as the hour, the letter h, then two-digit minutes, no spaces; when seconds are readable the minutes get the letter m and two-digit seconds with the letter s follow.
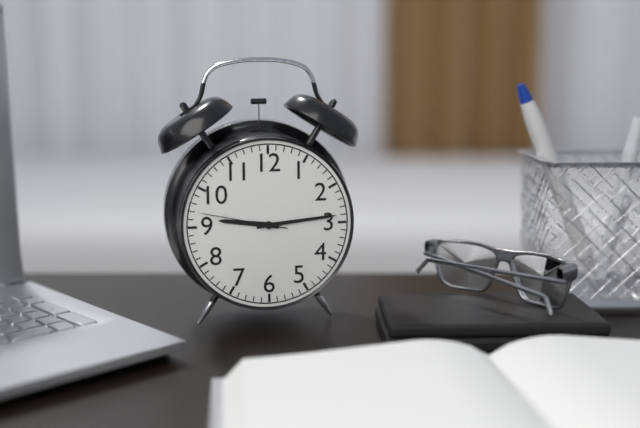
9h14m47s
